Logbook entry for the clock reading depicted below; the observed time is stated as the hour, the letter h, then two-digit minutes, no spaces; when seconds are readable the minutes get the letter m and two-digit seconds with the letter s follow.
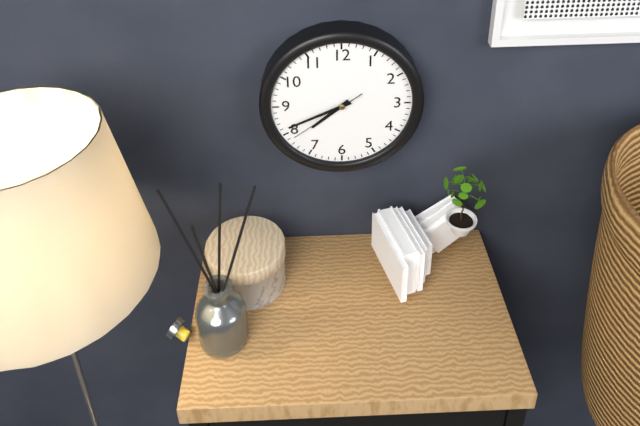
7h41m39s
